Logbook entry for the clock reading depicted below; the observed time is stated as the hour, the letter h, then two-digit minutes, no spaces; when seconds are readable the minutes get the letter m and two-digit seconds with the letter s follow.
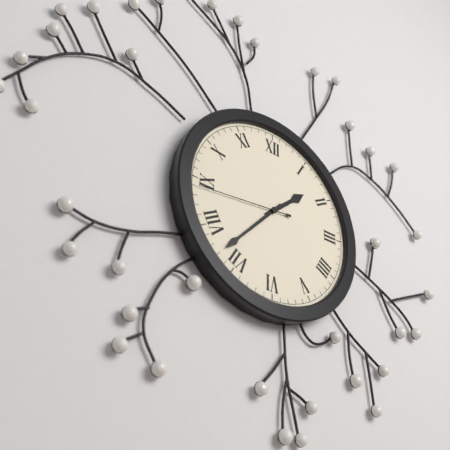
1h37m44s
